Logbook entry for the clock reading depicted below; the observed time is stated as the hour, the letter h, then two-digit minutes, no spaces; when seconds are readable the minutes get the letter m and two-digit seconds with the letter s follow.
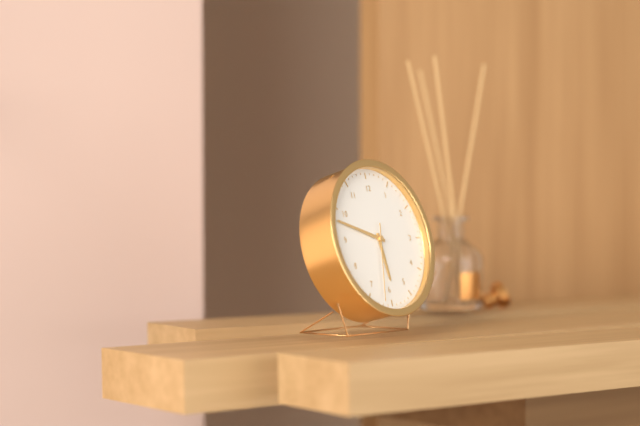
5h48m32s
